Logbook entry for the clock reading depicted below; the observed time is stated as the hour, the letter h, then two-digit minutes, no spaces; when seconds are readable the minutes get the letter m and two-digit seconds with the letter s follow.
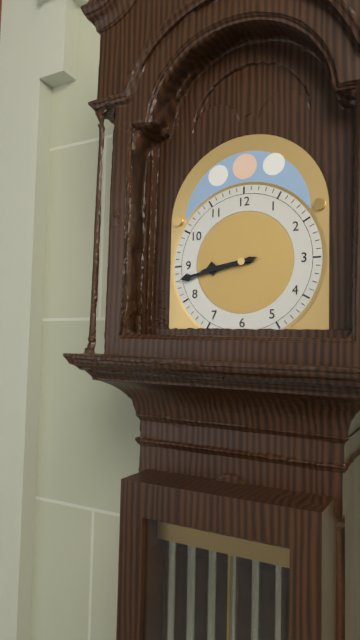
8h43
